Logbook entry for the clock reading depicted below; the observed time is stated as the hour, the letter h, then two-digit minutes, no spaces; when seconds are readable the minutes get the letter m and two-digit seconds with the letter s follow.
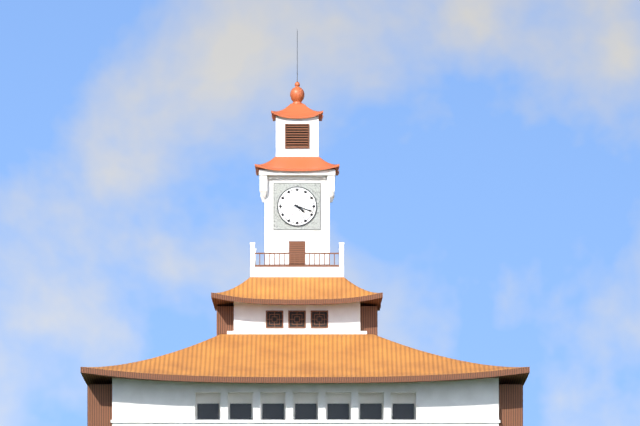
4h18
